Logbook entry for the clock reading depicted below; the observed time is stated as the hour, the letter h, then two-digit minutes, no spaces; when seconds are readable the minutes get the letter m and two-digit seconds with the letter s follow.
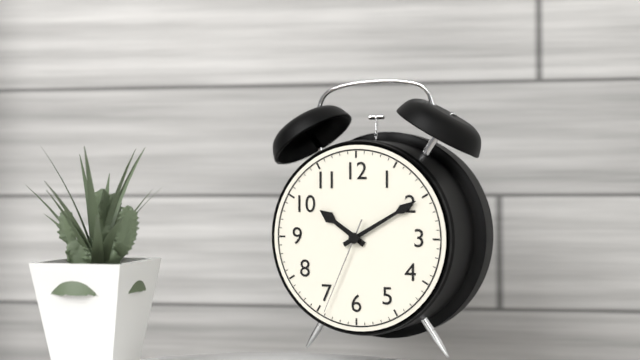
10h10m34s
